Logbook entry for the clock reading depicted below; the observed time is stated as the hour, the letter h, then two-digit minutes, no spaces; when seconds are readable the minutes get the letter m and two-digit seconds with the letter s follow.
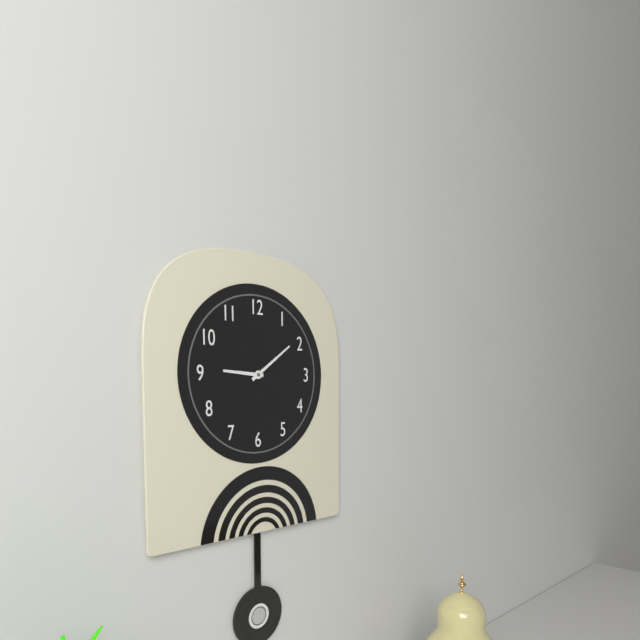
9h09
